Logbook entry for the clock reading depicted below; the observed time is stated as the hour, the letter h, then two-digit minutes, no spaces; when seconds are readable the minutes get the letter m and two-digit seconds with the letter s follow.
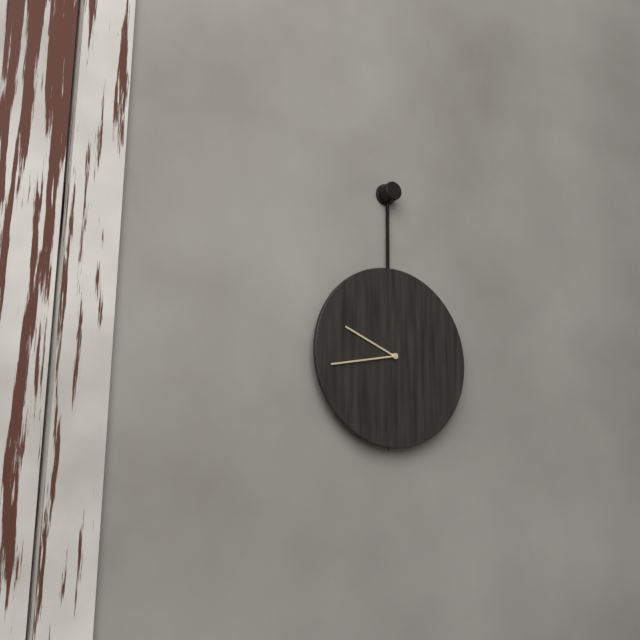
9h43
